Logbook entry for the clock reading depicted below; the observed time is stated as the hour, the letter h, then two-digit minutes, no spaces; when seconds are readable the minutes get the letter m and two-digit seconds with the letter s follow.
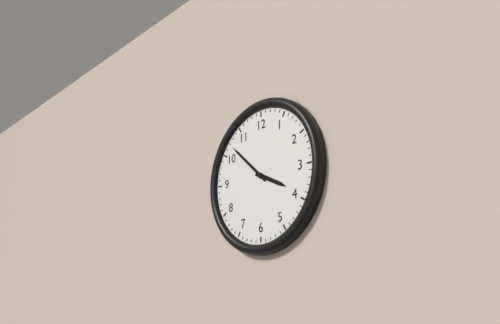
3h52
